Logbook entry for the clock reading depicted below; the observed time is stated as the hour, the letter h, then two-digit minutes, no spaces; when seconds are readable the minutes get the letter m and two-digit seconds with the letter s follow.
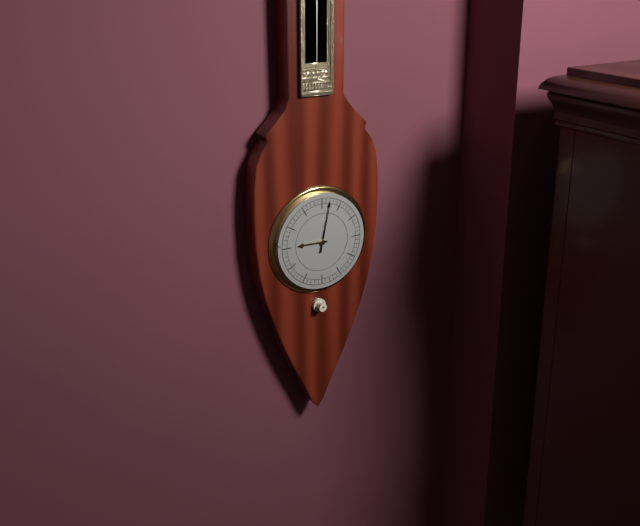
9h02
